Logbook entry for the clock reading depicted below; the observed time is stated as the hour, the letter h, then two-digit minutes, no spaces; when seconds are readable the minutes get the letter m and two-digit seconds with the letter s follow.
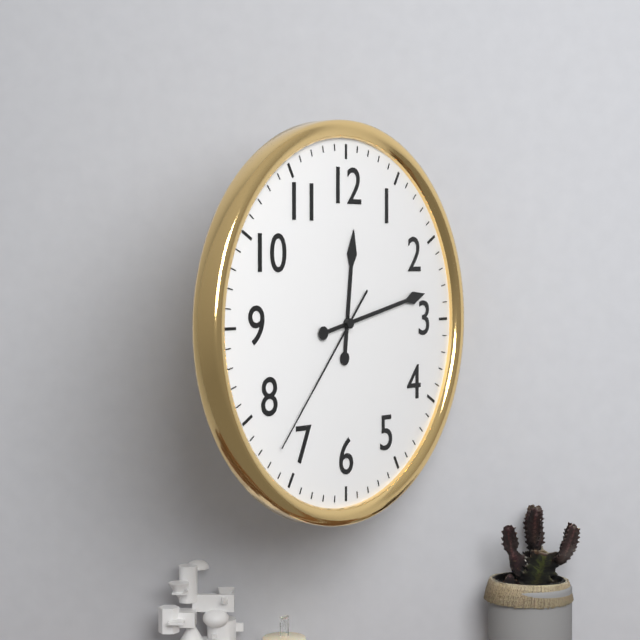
12h13m37s
